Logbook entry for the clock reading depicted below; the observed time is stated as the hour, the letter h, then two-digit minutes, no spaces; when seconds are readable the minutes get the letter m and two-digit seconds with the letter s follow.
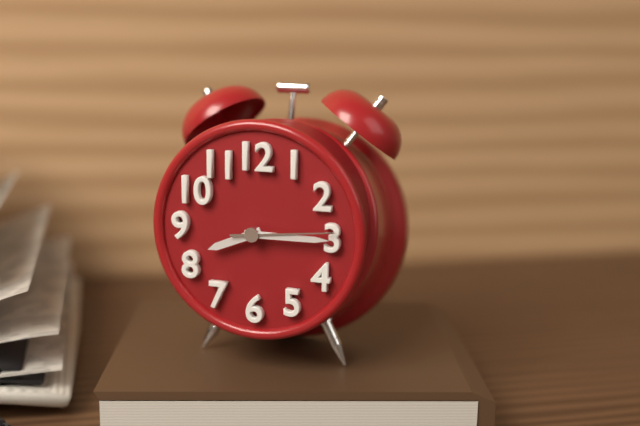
8h15m14s
